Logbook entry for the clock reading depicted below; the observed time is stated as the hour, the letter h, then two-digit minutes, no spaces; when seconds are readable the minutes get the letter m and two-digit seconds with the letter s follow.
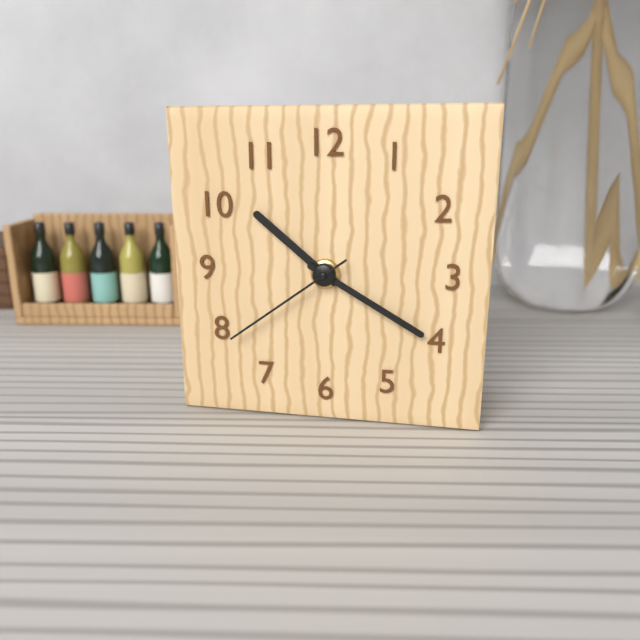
10h20m39s
